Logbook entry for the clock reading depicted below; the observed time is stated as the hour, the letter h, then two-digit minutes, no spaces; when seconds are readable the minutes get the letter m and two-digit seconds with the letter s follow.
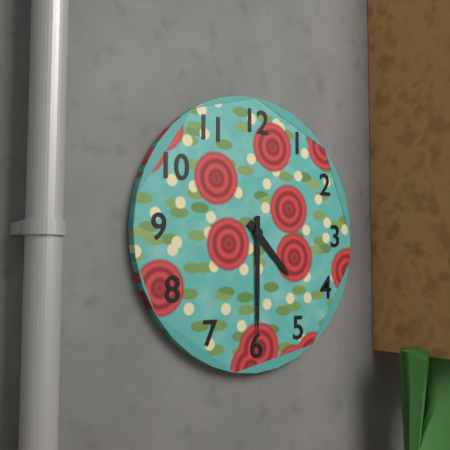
4h30
